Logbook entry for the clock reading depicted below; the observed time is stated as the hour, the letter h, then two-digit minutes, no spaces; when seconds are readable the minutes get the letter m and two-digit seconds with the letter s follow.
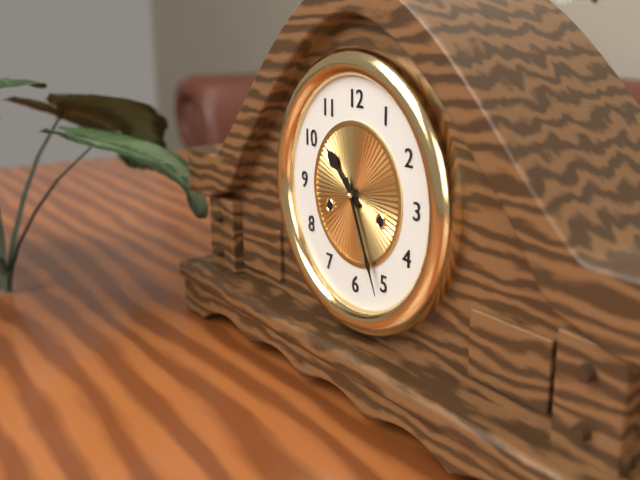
10h26
